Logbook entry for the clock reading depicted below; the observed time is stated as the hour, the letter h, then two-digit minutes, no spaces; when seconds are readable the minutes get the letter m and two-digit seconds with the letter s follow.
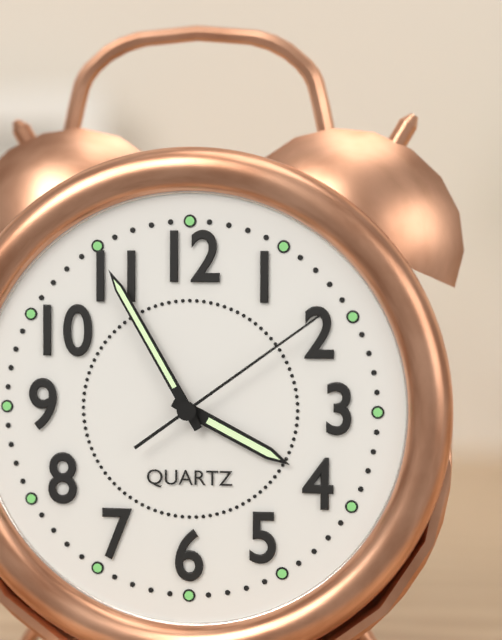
3h55m09s
